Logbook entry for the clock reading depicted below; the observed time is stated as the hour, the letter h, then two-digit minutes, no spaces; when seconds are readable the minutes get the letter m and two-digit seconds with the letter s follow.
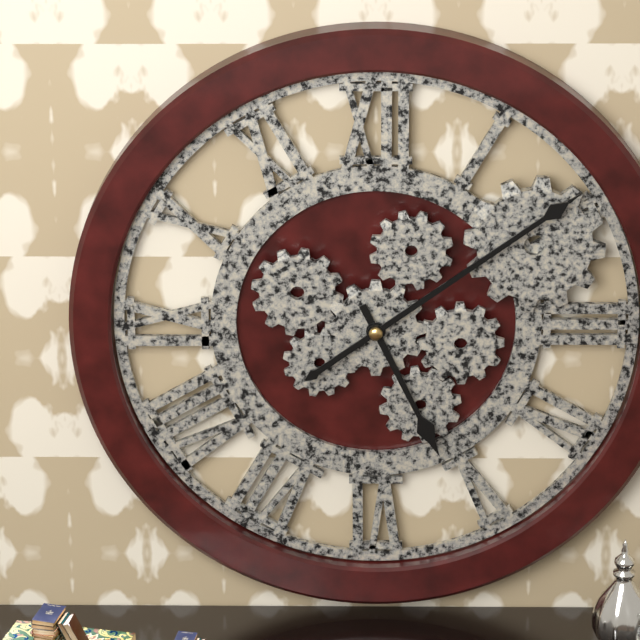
5h09
